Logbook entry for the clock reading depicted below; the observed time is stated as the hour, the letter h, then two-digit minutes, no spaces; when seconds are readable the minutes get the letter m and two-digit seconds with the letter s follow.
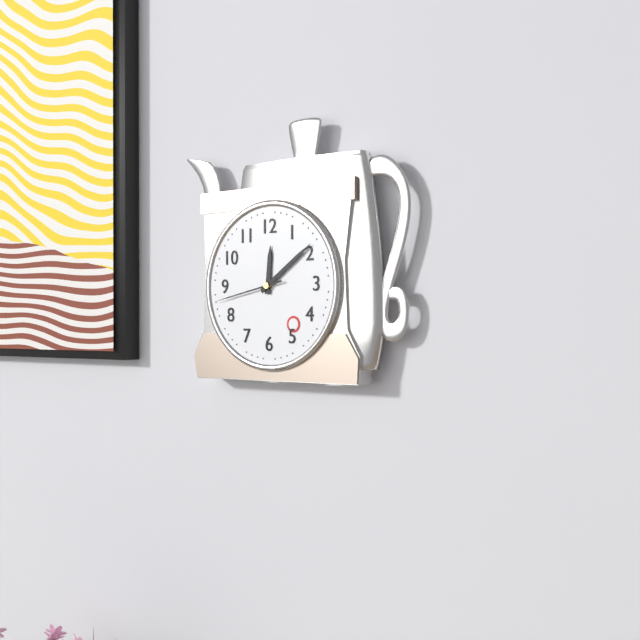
12h09m43s
